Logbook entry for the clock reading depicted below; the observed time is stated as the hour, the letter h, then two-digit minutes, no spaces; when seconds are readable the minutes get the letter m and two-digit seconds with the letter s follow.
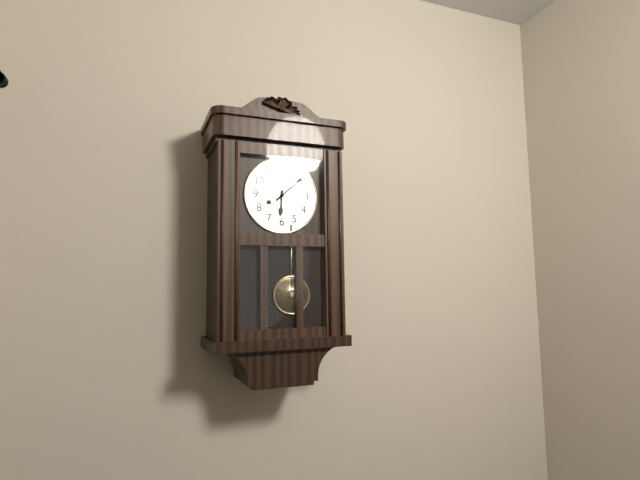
6h08
